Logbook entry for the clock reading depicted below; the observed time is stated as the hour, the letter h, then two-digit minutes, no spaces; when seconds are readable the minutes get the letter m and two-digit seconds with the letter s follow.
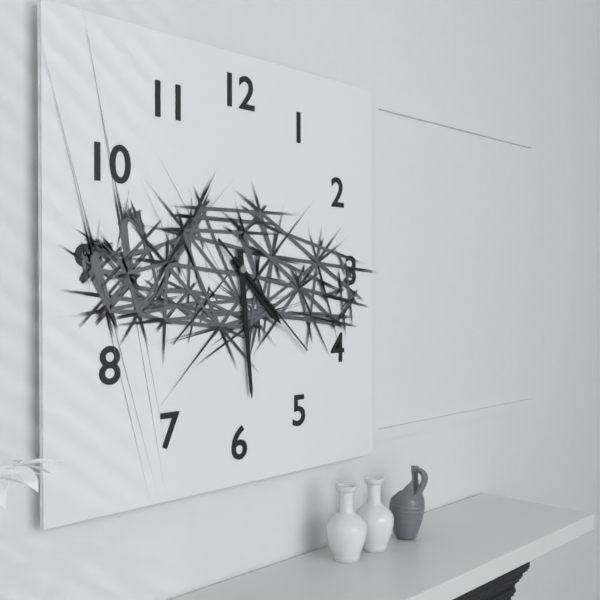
4h29m22s
